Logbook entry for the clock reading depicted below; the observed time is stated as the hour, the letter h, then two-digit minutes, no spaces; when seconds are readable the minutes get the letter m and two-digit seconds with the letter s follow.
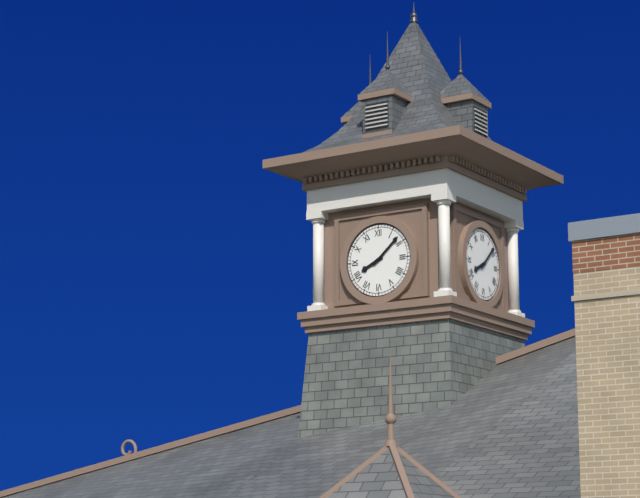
8h08
